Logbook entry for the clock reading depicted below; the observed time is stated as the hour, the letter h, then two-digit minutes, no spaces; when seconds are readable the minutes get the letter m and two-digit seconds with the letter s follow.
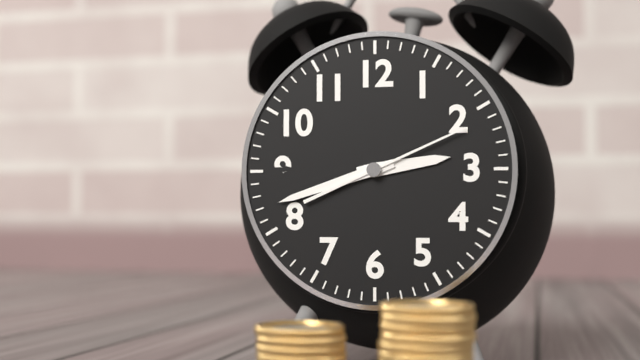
2h42m11s
